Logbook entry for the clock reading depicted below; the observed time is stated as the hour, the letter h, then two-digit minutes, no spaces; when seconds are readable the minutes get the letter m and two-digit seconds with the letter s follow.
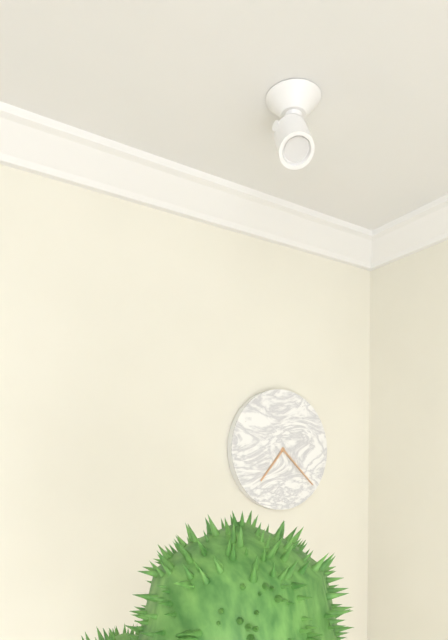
7h22
